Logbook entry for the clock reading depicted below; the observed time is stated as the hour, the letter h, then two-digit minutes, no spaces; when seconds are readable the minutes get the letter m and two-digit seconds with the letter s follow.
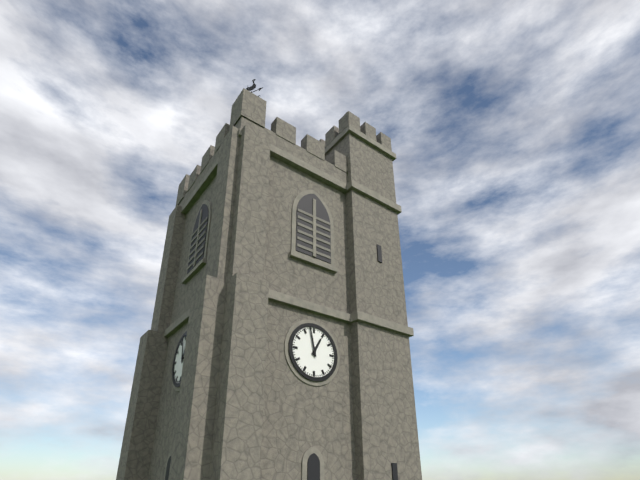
12h58
